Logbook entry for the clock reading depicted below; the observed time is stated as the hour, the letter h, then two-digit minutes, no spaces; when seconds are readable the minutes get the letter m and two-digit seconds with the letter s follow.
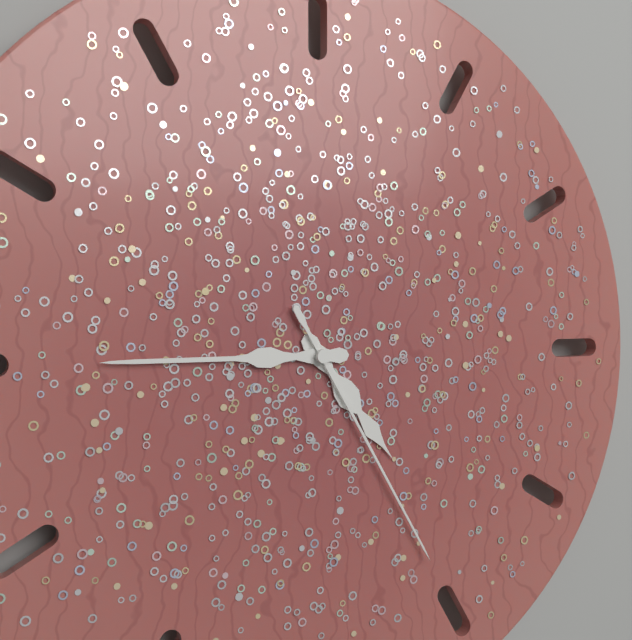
4h45m25s
